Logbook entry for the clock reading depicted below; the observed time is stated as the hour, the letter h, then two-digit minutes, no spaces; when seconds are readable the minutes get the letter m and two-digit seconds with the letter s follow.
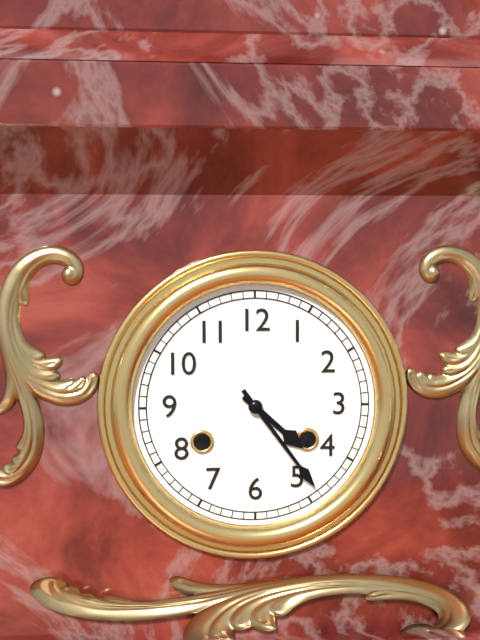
4h24
